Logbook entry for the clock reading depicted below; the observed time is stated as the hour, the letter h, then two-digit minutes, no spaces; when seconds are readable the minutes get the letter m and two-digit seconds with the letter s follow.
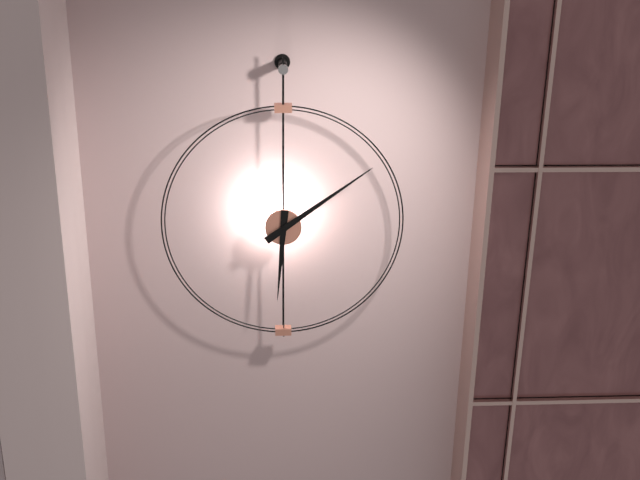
6h09
